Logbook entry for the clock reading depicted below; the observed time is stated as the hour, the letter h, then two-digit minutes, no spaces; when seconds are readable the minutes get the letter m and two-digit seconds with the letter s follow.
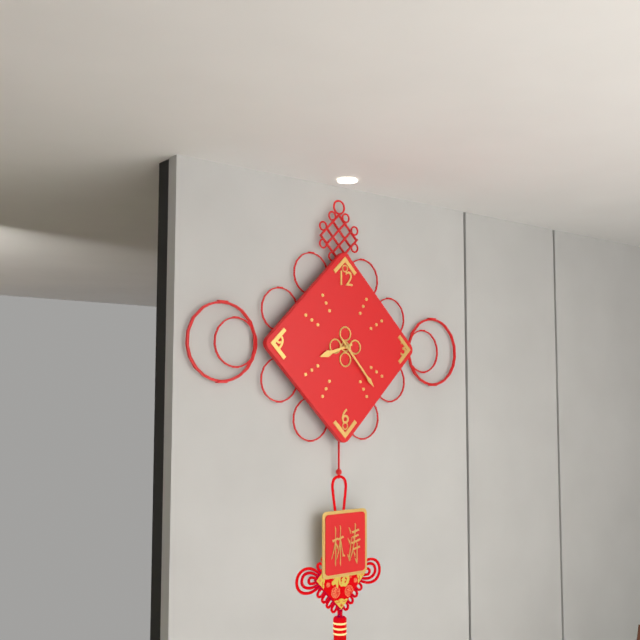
8h23
